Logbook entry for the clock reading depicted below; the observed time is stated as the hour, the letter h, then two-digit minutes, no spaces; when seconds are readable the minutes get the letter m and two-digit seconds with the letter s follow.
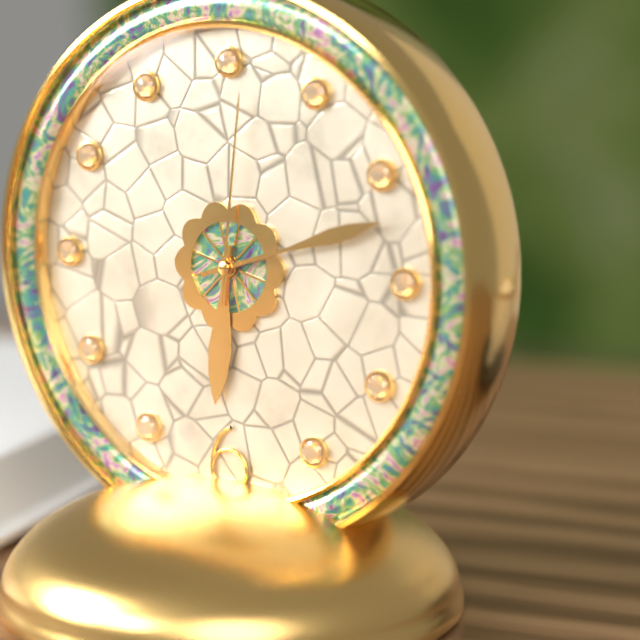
6h12m01s
